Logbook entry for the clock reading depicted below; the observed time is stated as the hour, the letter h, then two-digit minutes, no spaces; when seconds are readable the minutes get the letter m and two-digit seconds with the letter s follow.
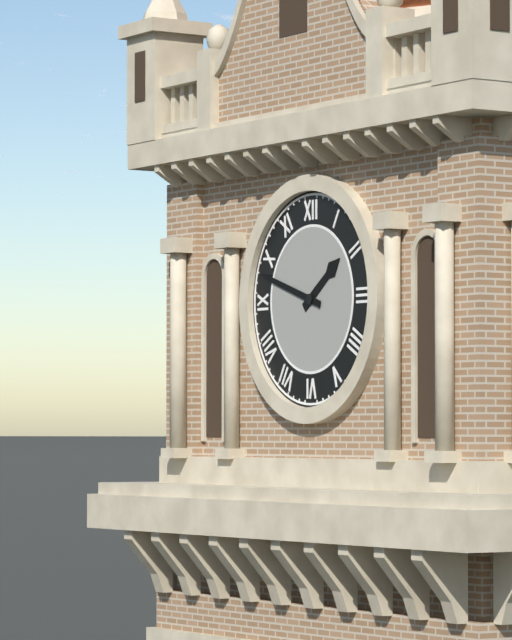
1h48
